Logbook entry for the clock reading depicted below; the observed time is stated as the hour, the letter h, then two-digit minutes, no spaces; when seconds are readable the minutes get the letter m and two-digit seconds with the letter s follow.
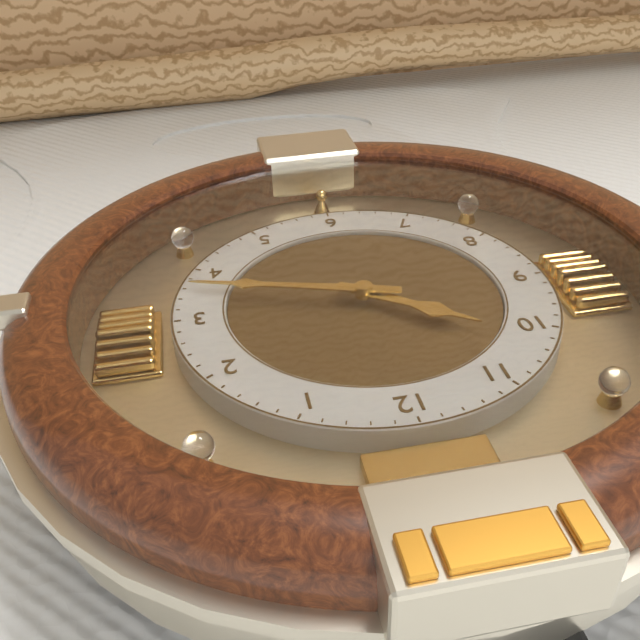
10h18
